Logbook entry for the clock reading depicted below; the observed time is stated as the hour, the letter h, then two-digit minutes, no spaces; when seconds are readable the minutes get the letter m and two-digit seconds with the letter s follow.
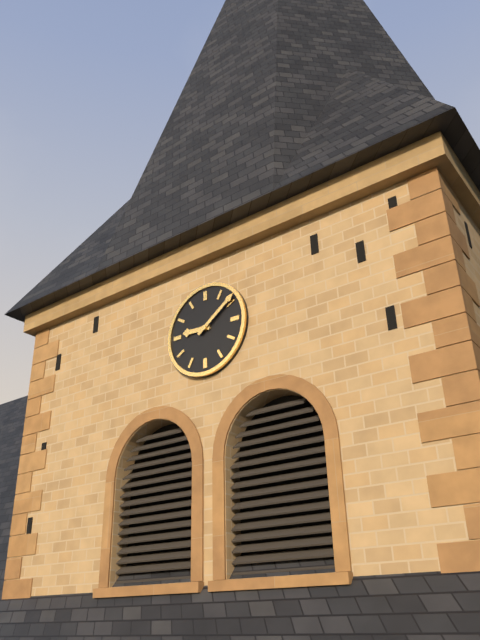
9h09
